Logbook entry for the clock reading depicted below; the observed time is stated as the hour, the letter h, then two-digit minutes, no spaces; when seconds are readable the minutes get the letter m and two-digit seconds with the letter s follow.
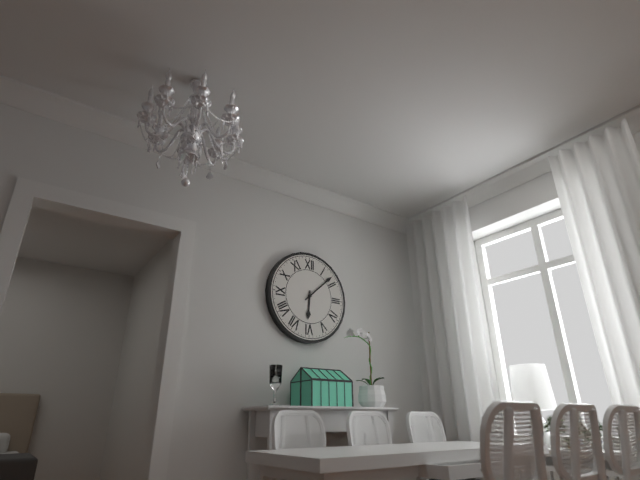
6h08
